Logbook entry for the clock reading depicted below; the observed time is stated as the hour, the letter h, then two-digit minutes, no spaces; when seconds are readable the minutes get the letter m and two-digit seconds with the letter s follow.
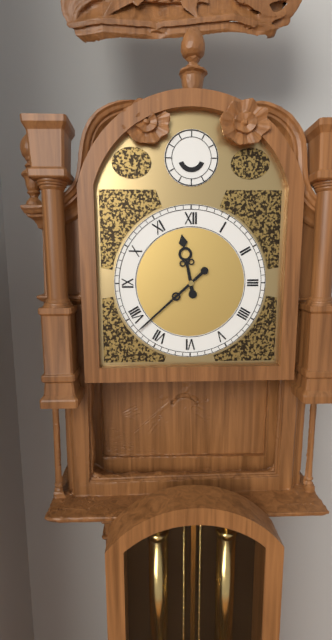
11h38
